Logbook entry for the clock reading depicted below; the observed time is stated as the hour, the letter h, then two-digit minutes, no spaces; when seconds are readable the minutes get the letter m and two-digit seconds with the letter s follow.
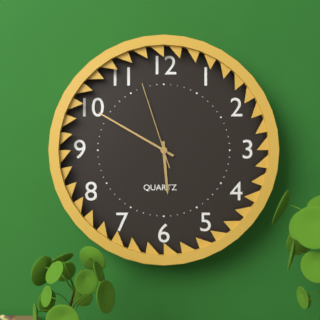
5h50m57s
